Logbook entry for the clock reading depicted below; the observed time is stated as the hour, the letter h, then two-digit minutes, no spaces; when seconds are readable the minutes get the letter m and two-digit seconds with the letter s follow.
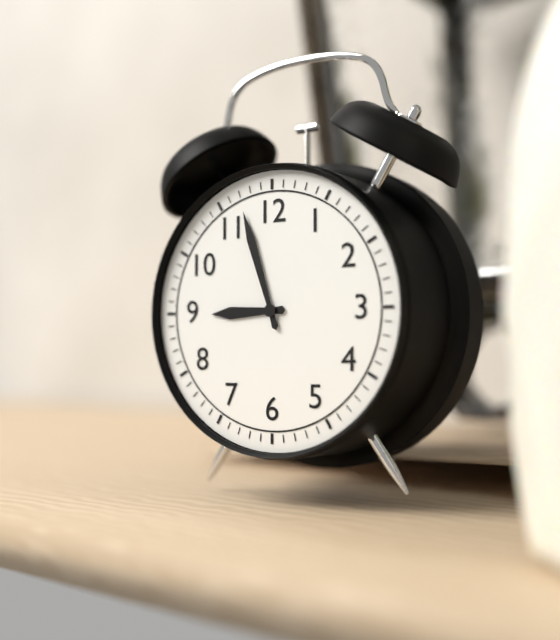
8h57
